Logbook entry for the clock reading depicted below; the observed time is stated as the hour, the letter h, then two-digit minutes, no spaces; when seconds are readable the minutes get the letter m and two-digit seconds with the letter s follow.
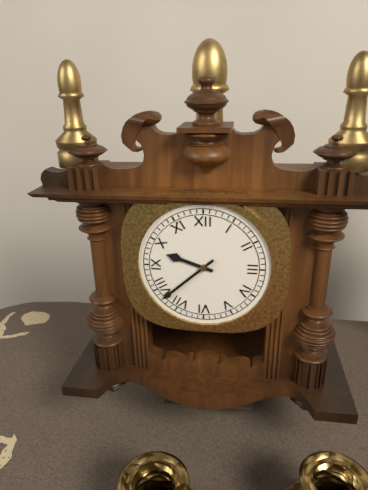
9h38
